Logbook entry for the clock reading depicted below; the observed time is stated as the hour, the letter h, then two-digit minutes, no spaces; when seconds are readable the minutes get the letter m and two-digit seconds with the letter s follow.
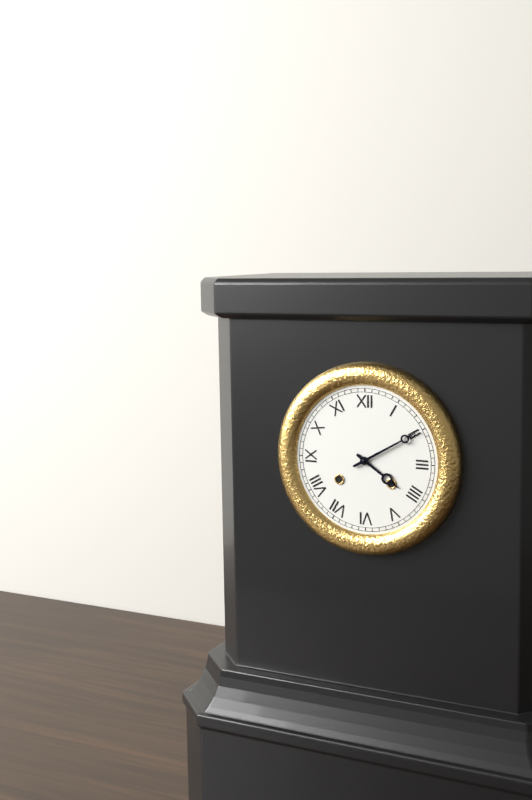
4h10
